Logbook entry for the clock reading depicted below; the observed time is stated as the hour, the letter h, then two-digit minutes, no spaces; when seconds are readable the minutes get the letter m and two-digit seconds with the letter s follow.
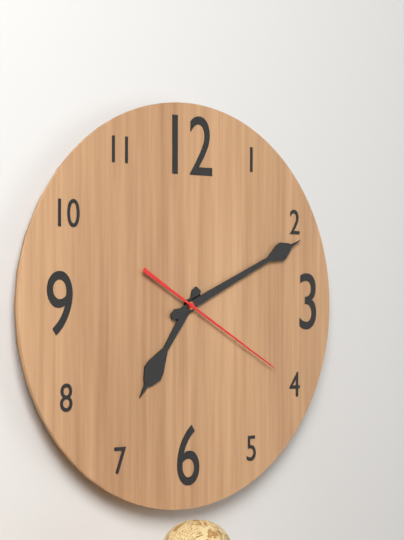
7h11m20s
